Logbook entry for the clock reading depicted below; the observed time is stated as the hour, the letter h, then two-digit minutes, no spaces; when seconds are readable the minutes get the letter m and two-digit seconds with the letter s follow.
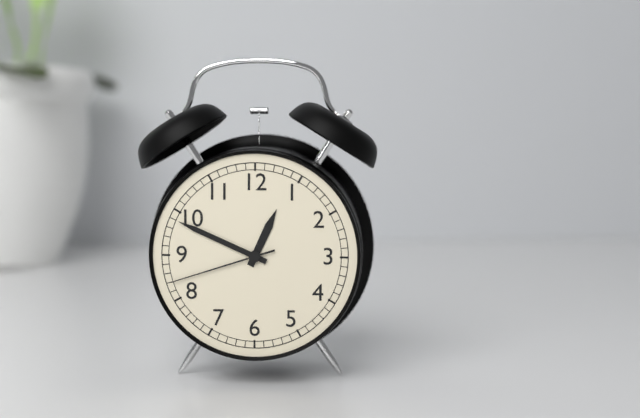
12h49m42s
